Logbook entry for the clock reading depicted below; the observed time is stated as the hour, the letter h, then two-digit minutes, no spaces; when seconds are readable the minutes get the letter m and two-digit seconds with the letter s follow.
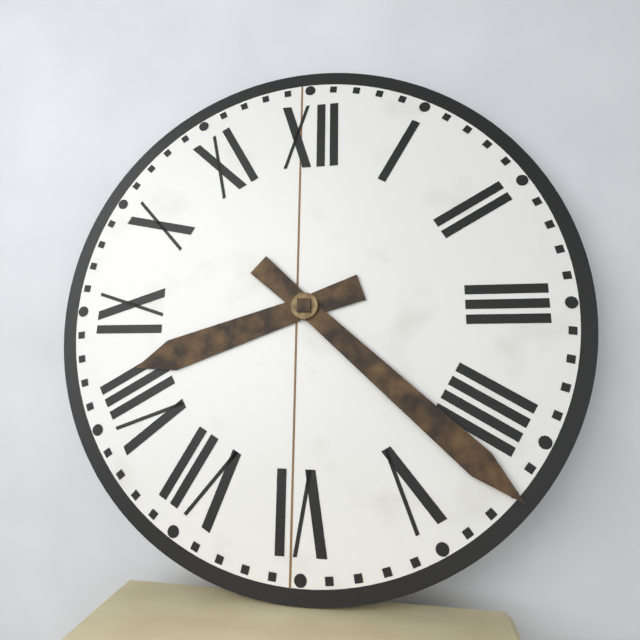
8h22
